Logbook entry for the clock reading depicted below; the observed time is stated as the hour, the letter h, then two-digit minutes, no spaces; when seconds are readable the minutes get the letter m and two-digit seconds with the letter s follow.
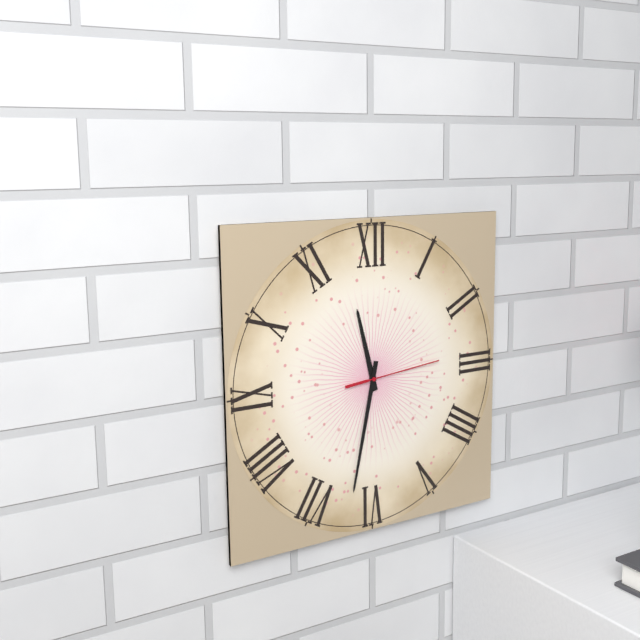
11h32m14s
